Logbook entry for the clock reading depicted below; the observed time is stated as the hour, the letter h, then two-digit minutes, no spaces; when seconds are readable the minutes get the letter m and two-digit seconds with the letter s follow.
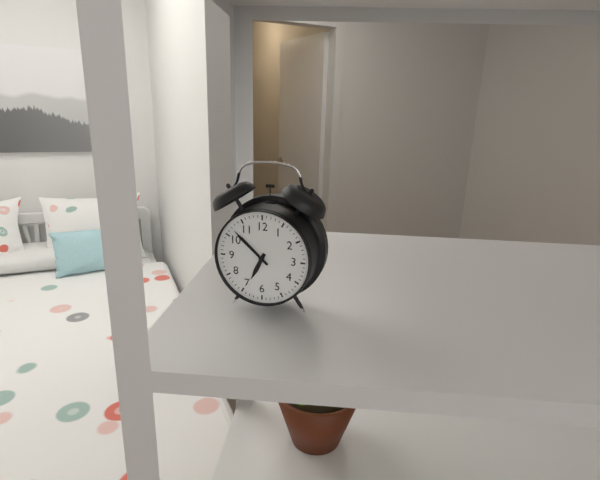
6h52
